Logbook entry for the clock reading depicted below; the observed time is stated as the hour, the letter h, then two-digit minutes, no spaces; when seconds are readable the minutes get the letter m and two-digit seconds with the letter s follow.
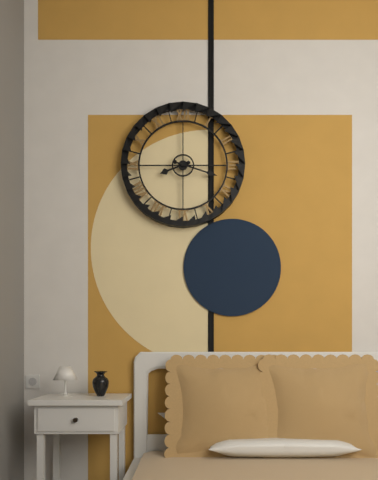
8h18
